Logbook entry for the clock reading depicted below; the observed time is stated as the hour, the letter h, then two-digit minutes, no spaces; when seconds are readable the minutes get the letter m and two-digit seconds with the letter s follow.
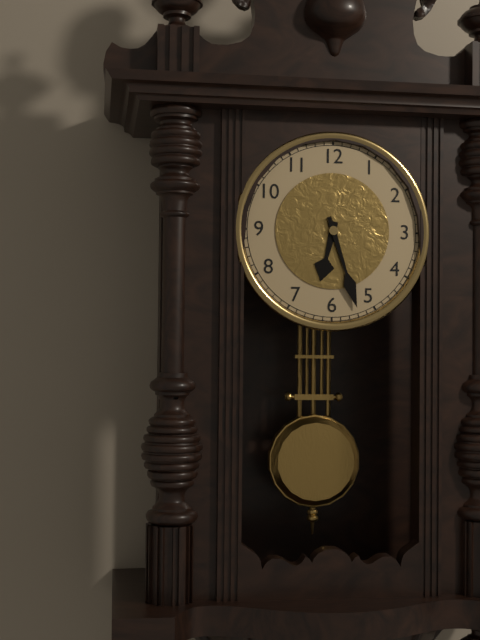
6h27
